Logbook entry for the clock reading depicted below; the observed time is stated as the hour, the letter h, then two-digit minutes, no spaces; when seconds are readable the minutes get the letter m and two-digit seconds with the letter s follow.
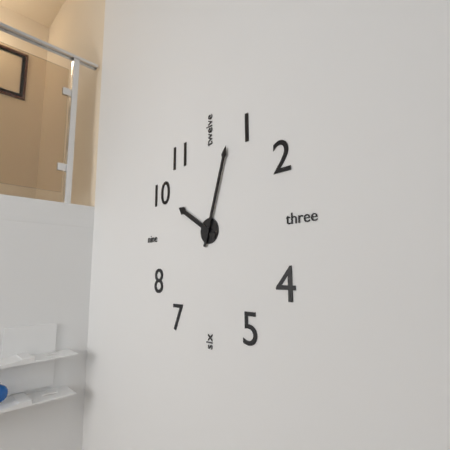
10h03
